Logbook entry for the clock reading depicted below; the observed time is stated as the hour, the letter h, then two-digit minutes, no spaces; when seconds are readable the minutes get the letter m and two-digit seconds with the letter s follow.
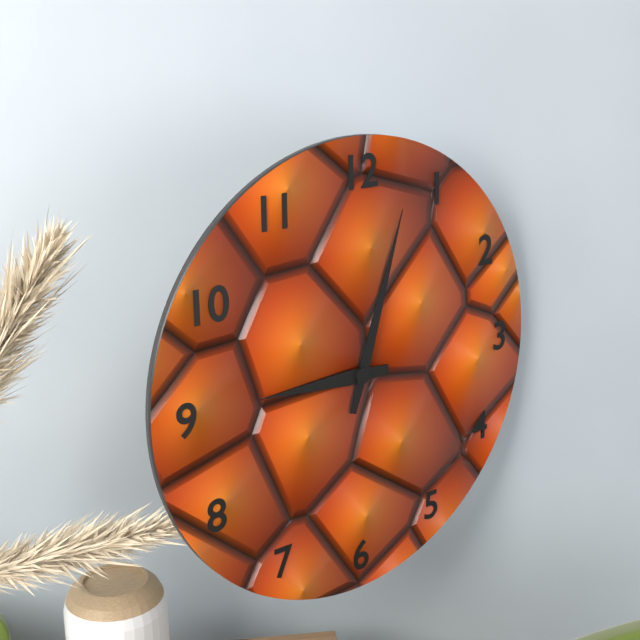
9h03
